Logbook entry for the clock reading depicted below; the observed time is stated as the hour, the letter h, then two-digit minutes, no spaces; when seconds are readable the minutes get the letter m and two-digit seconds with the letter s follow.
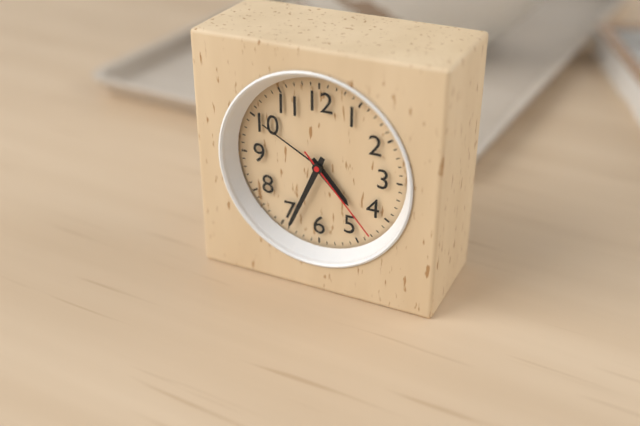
4h34m23s
